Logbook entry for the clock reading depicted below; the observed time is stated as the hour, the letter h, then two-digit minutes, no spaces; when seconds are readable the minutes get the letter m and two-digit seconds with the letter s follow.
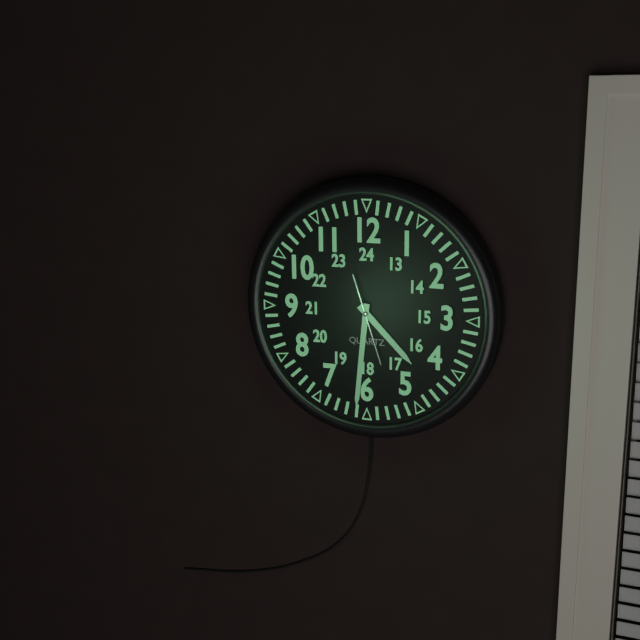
4h31m27s
